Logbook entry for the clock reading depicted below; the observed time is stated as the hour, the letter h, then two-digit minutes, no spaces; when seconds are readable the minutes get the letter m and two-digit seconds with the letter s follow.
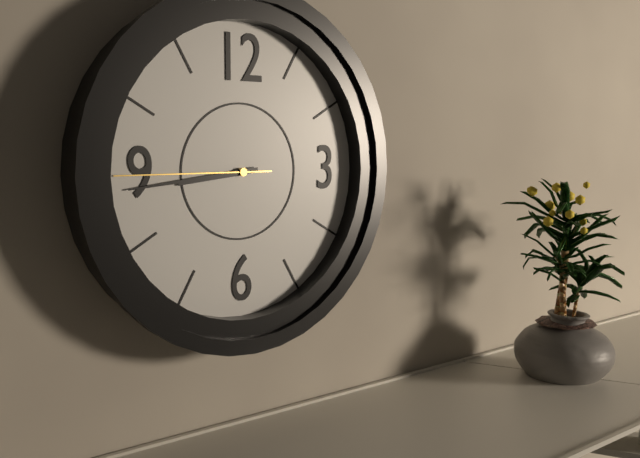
8h44m45s
